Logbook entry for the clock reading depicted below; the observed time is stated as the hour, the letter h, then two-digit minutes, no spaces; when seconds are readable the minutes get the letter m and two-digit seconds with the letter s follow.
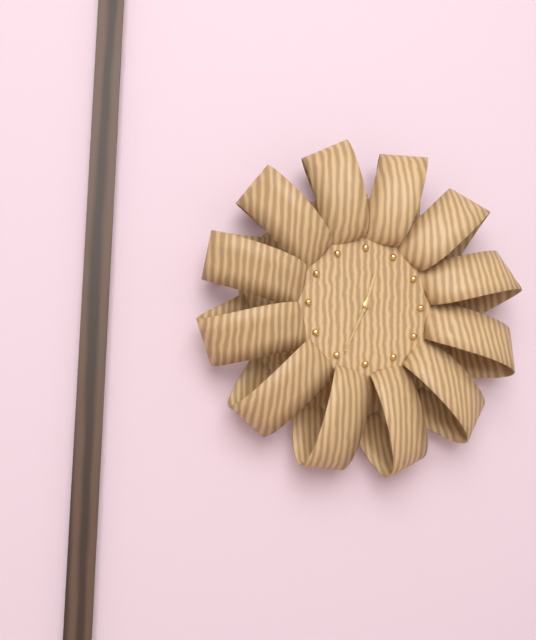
12h34
